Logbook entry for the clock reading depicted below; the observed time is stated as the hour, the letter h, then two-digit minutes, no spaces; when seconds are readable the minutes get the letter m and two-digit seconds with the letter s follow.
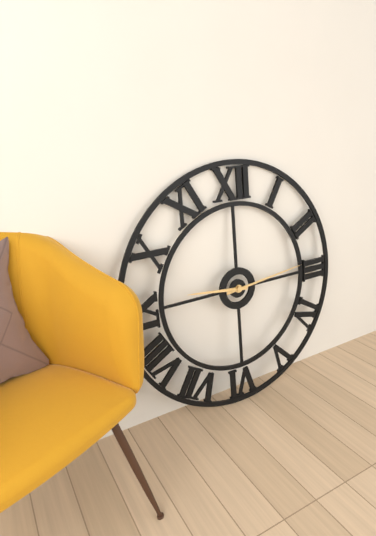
9h14
